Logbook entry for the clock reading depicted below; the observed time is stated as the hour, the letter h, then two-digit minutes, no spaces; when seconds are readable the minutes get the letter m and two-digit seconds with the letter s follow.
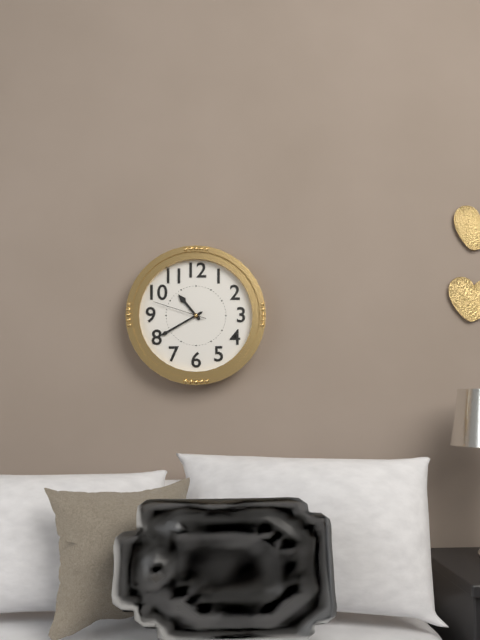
10h40m48s
